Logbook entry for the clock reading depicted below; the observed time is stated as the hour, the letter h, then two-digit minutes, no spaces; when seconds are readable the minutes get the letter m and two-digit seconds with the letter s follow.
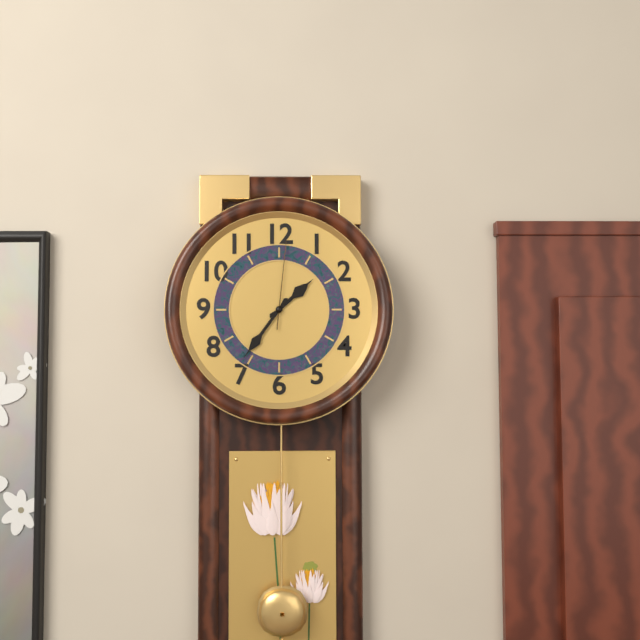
1h36m01s
